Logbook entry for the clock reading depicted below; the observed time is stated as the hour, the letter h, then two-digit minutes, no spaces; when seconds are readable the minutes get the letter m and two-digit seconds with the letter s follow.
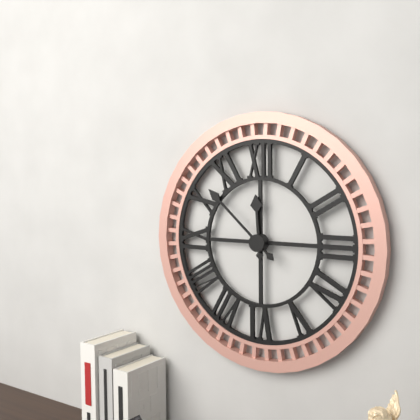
11h52
